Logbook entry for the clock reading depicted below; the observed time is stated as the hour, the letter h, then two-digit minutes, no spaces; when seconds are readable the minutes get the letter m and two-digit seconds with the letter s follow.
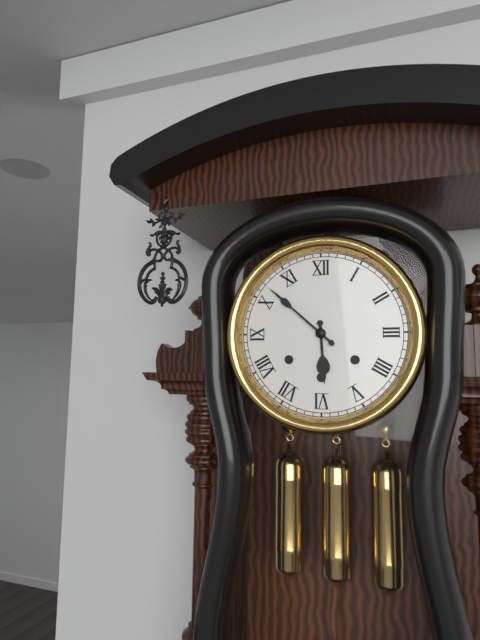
5h52
